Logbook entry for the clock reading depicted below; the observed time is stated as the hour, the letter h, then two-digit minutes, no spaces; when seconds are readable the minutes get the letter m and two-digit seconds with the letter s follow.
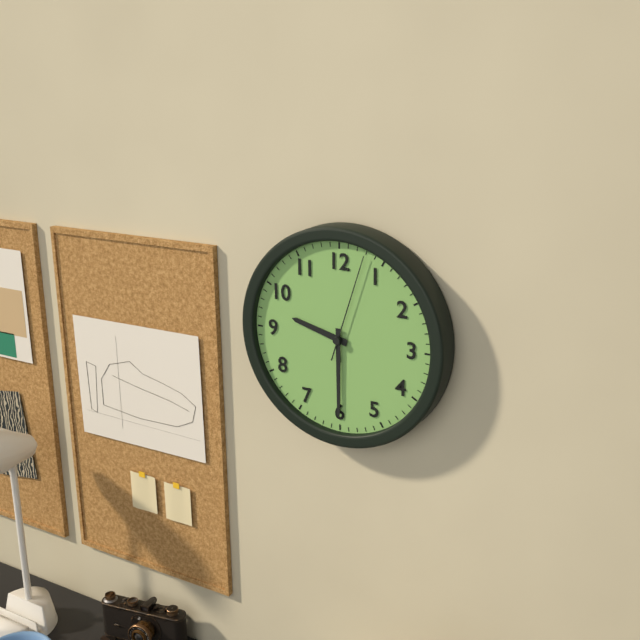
9h30m03s
